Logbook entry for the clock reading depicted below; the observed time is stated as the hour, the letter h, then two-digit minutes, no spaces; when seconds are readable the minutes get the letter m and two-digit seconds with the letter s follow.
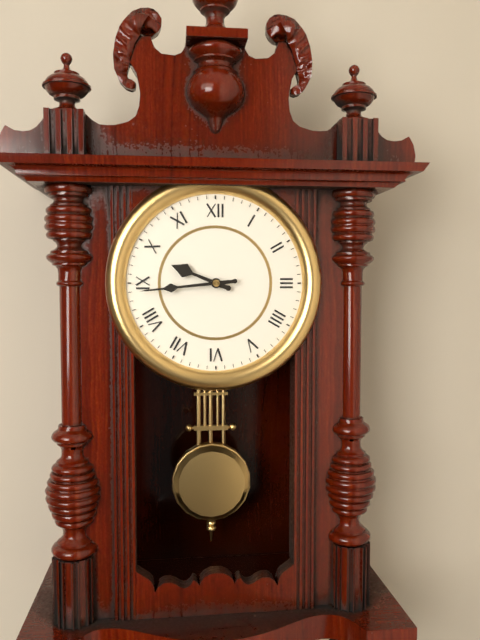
9h44
